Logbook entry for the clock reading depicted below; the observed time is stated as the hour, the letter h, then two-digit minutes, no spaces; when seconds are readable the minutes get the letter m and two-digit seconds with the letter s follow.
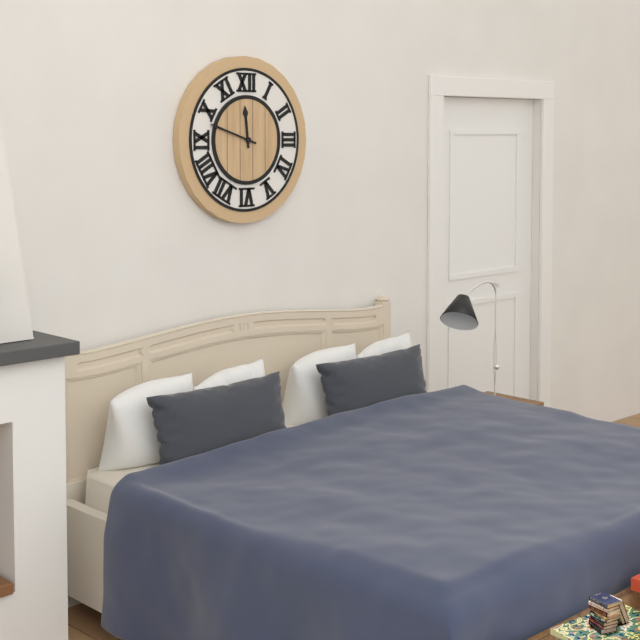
11h48
